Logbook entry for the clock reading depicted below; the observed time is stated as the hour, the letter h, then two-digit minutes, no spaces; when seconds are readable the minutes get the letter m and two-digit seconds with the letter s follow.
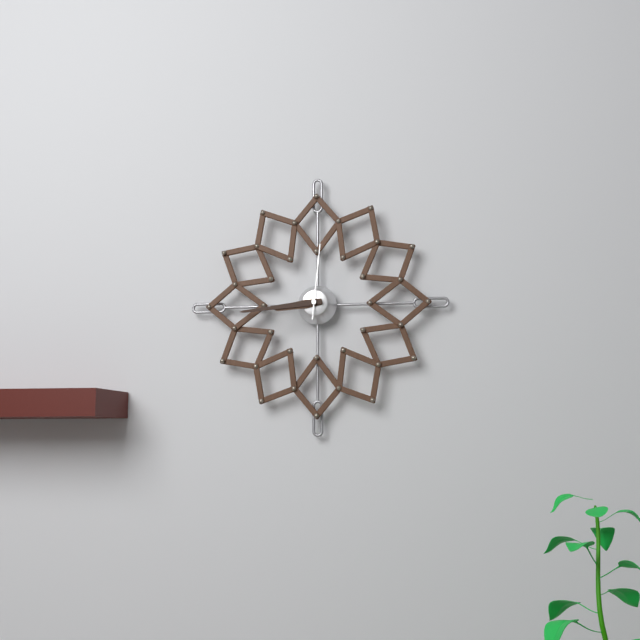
8h44m01s
